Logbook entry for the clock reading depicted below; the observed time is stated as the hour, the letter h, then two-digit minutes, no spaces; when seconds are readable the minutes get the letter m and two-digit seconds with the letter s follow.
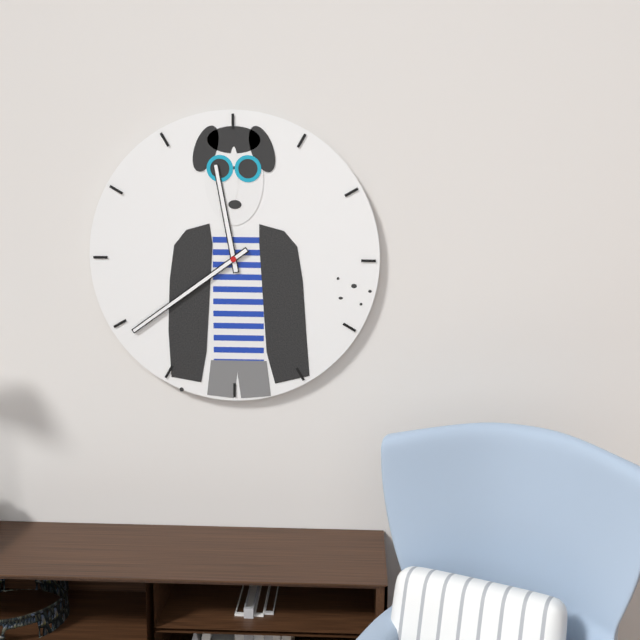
11h39
